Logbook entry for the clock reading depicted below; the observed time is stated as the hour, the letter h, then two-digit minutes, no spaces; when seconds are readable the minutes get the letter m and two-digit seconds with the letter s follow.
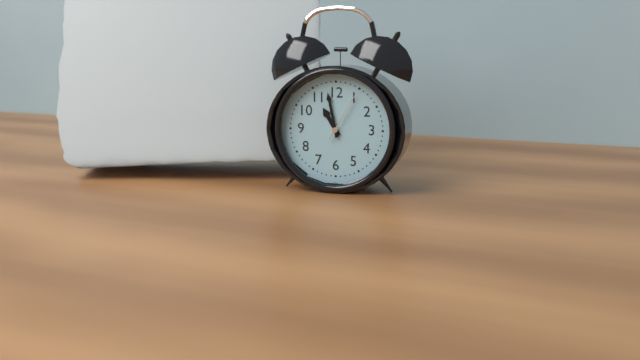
10h58m05s
